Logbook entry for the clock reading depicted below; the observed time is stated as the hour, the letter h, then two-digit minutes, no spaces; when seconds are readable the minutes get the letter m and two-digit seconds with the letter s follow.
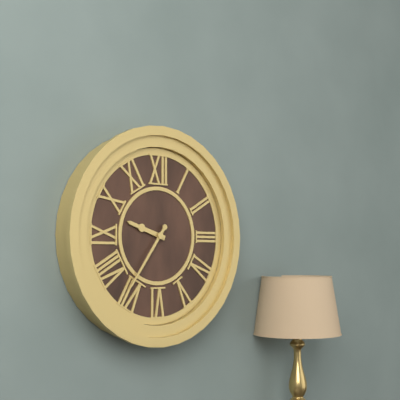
9h36
